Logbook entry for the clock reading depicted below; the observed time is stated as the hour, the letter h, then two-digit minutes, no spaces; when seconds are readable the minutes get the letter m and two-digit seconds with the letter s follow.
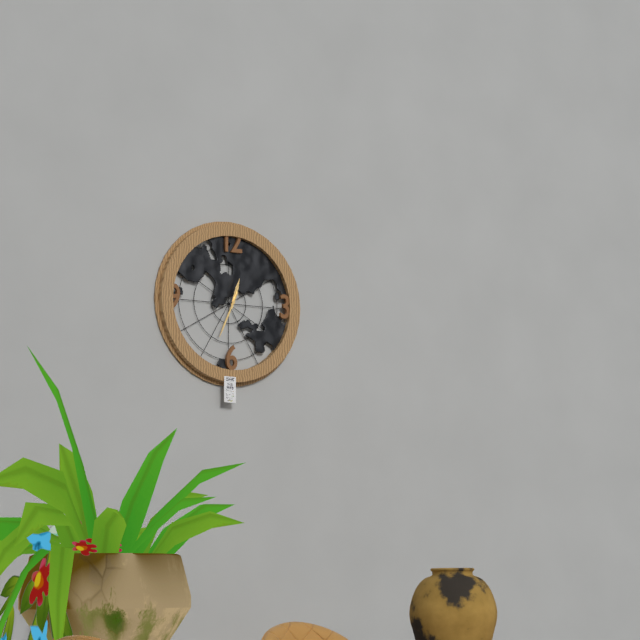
12h34
